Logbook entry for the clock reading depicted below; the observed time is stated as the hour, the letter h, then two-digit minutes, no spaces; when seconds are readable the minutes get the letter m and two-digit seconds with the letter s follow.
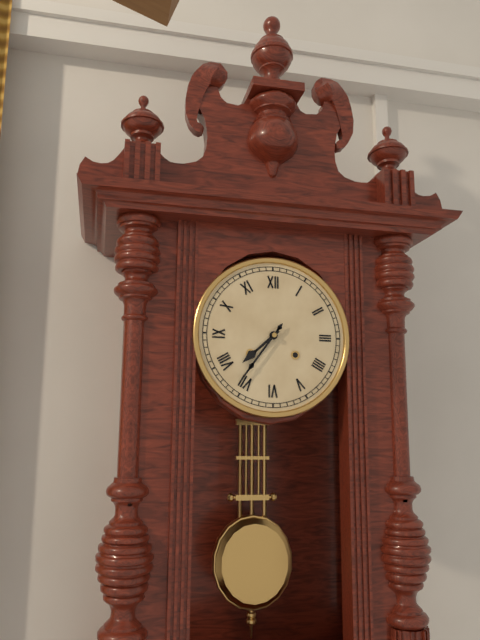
7h36
